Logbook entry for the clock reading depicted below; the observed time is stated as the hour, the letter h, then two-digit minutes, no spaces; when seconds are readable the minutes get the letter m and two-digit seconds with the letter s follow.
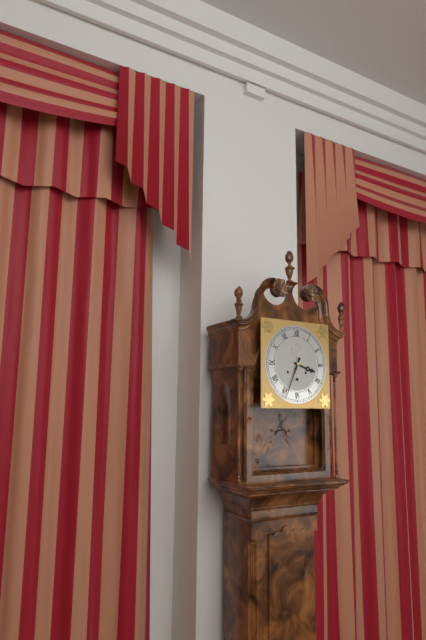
3h34
